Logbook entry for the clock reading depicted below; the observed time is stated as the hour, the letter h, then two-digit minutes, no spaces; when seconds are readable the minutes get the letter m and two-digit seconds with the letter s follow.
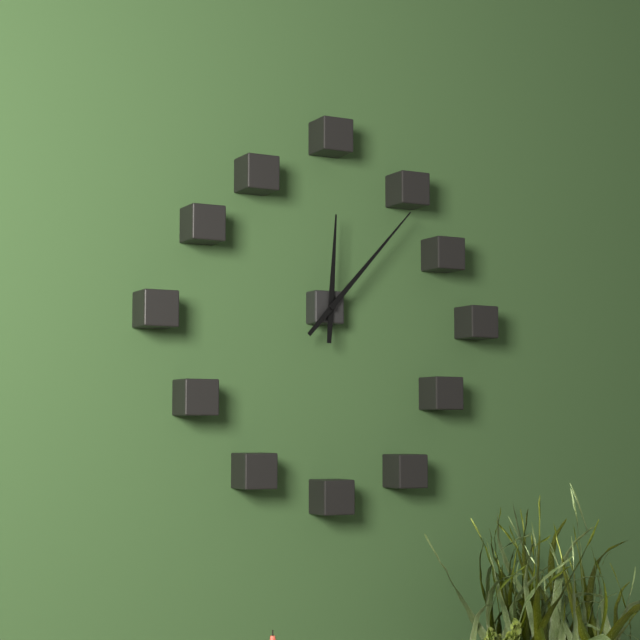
12h07
